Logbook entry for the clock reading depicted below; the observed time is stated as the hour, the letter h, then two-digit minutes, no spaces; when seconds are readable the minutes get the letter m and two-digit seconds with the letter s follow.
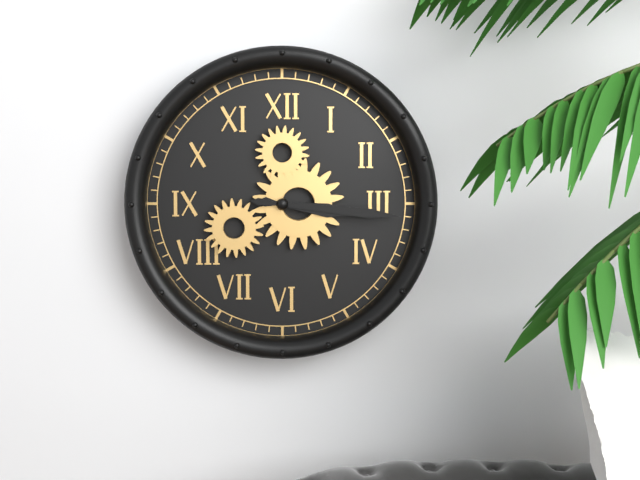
3h16
